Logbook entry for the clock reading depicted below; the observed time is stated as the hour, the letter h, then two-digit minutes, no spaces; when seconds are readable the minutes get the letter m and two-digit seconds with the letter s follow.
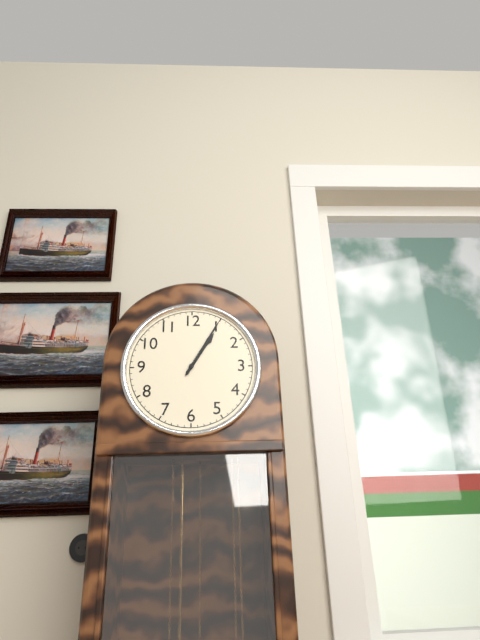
1h05
